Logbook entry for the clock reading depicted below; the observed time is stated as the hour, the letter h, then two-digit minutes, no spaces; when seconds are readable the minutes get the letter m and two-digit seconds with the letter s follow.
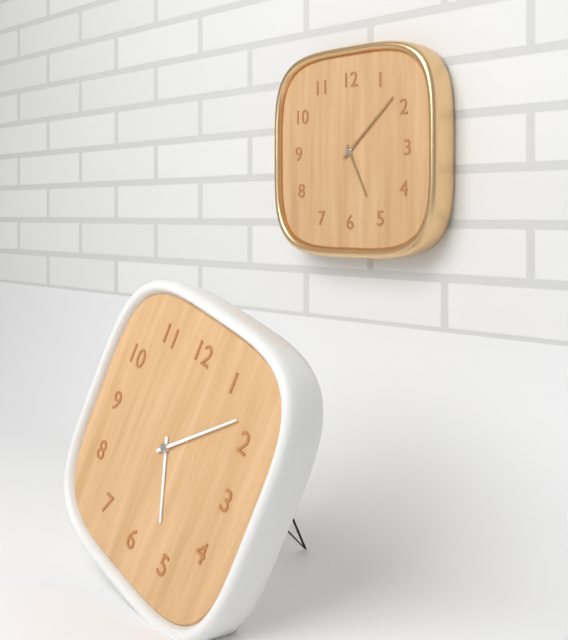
5h08
